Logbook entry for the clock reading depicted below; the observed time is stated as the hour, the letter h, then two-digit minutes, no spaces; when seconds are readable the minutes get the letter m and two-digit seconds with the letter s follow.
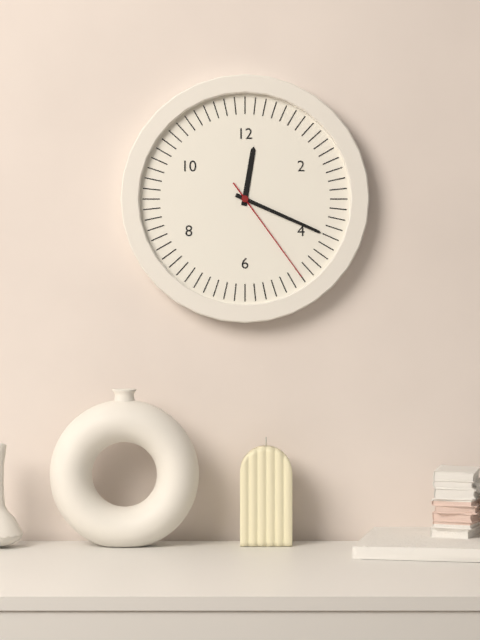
12h19m24s
